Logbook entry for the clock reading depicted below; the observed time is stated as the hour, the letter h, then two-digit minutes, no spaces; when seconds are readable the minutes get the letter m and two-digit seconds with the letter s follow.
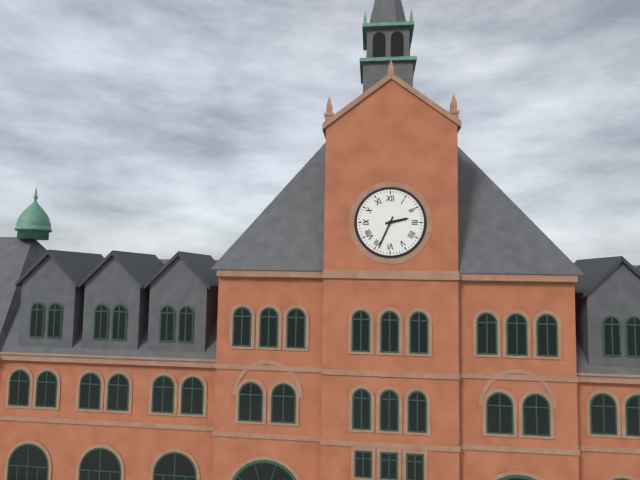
2h34
